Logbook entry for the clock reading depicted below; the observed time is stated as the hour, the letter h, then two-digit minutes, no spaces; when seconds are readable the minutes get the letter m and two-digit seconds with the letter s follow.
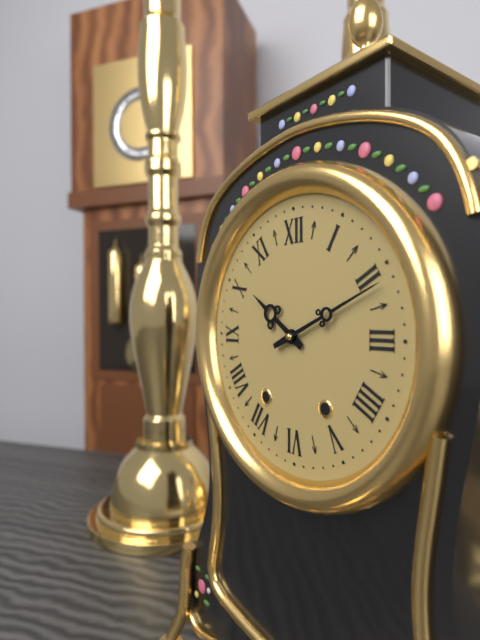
10h11
